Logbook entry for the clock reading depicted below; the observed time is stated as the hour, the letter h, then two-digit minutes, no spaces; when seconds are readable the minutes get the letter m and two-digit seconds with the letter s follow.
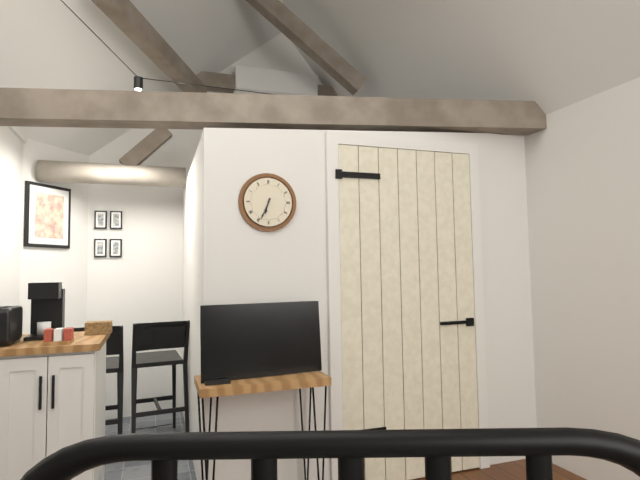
6h34
